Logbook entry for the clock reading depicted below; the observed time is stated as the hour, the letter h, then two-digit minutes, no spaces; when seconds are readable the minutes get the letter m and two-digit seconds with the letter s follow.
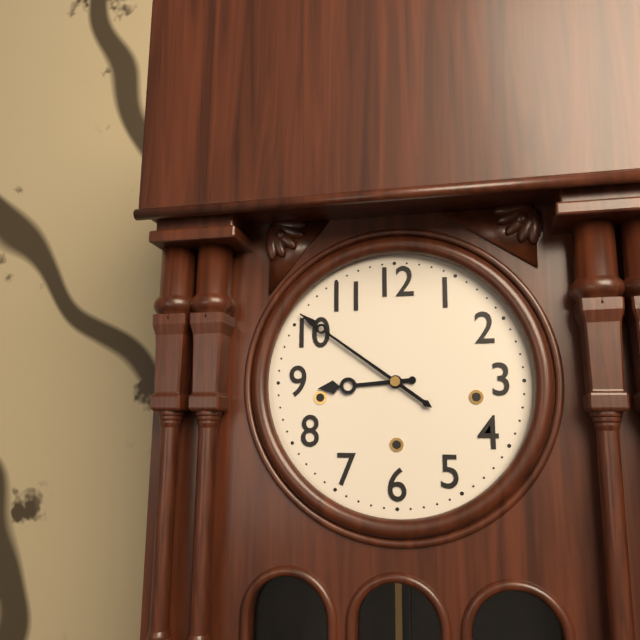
8h51
